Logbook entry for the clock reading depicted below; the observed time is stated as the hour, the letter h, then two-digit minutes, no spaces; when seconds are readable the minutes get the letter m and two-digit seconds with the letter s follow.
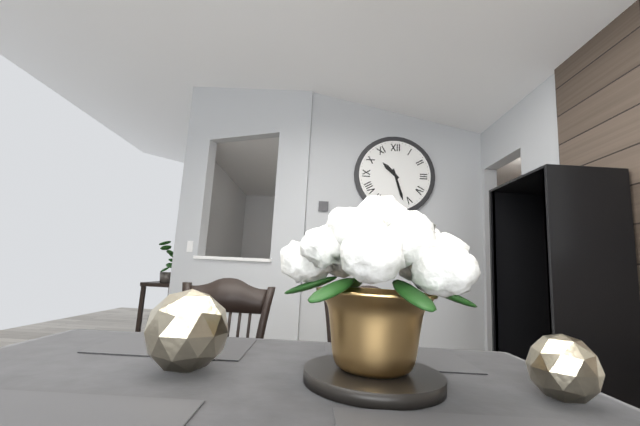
10h27
